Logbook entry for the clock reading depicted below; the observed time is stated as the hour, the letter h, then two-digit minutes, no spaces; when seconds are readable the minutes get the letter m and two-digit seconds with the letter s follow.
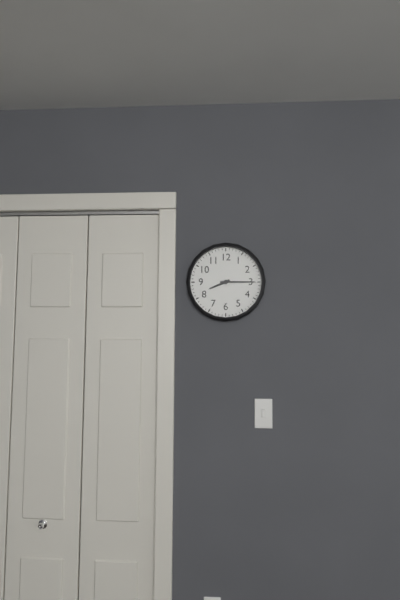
8h15
